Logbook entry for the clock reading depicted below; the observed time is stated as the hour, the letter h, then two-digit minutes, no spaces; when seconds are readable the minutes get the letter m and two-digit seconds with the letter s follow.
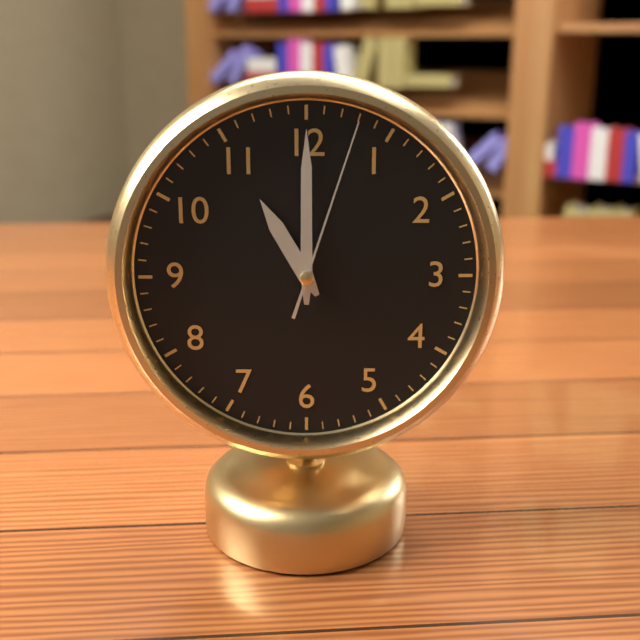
11h00m03s
